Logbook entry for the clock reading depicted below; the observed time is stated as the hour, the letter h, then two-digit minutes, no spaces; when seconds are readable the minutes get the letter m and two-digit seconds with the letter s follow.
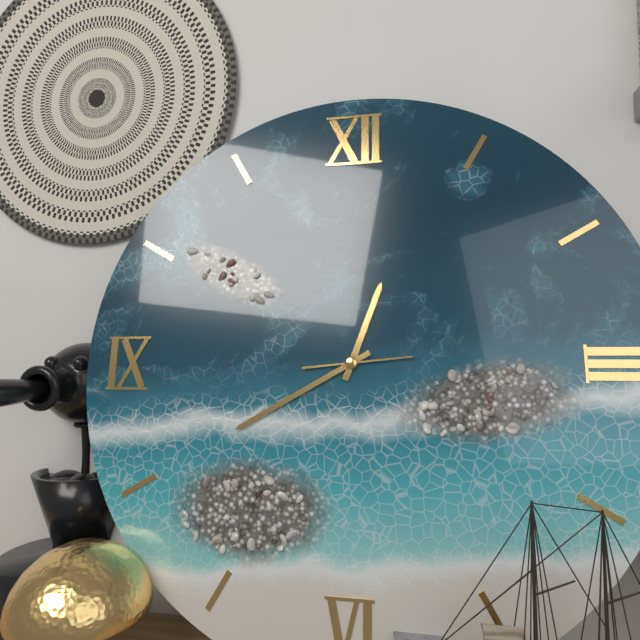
12h40m14s
